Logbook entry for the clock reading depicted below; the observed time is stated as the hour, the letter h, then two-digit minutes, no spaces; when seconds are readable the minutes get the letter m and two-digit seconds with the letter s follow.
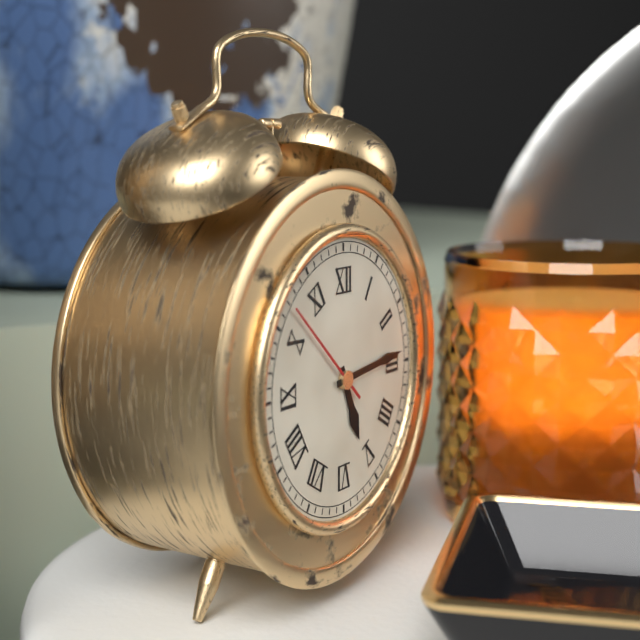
5h14m52s
